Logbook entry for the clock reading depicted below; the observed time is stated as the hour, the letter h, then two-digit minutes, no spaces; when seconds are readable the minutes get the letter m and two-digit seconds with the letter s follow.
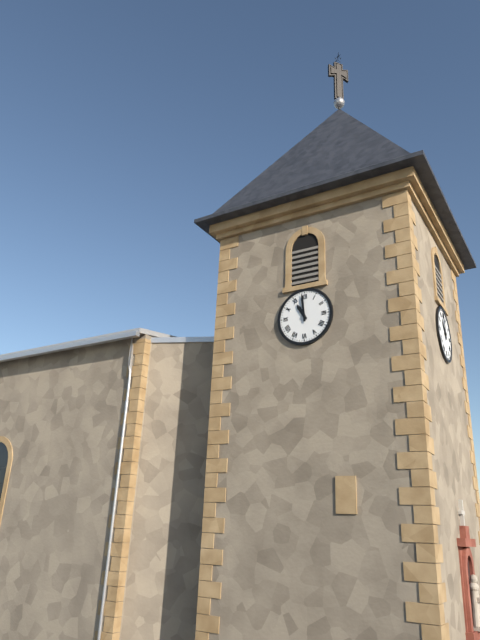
10h59
